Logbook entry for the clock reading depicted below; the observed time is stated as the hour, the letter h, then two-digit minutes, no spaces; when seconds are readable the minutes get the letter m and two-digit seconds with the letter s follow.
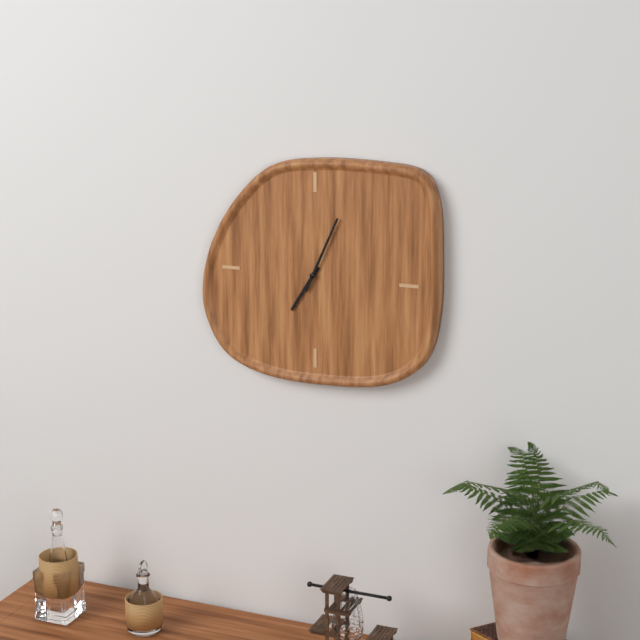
7h04
